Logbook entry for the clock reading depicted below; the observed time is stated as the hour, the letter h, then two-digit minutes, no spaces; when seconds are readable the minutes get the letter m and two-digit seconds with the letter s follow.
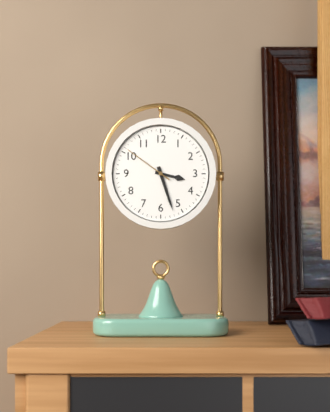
3h27m51s
